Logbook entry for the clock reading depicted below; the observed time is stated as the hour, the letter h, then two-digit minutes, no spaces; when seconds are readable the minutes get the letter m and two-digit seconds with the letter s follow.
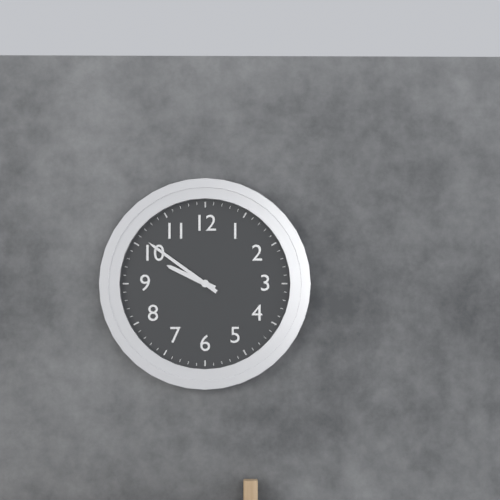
9h51
